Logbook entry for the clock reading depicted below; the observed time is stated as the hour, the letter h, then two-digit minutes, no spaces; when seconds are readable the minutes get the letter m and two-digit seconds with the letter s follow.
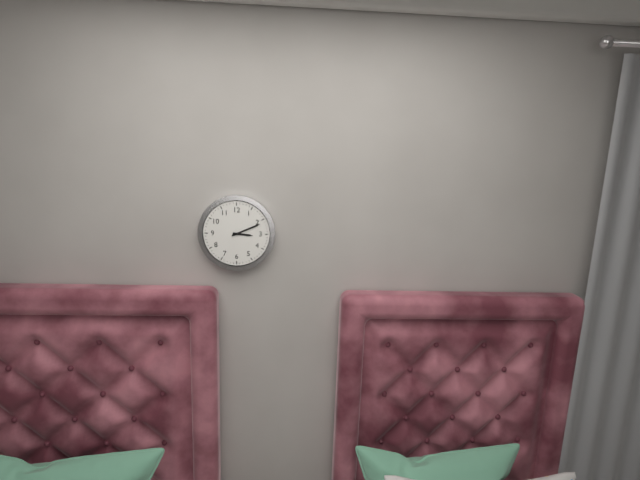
3h11
